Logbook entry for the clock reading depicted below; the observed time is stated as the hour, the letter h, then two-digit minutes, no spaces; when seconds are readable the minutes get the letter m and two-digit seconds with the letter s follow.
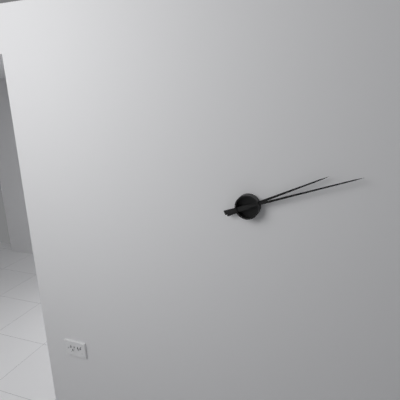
2h12
